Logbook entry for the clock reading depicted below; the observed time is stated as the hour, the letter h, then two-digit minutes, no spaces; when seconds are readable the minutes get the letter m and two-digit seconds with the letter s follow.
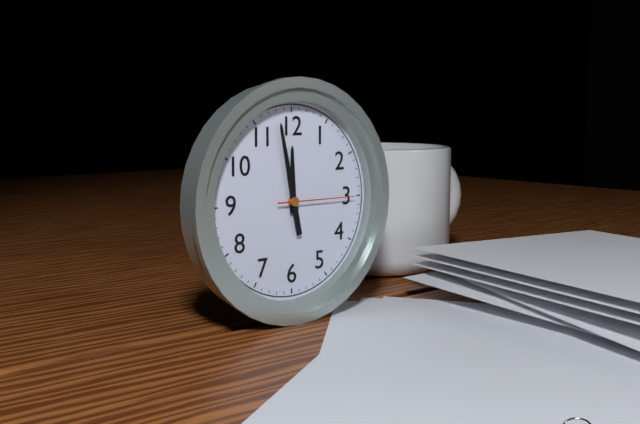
11h58m15s
